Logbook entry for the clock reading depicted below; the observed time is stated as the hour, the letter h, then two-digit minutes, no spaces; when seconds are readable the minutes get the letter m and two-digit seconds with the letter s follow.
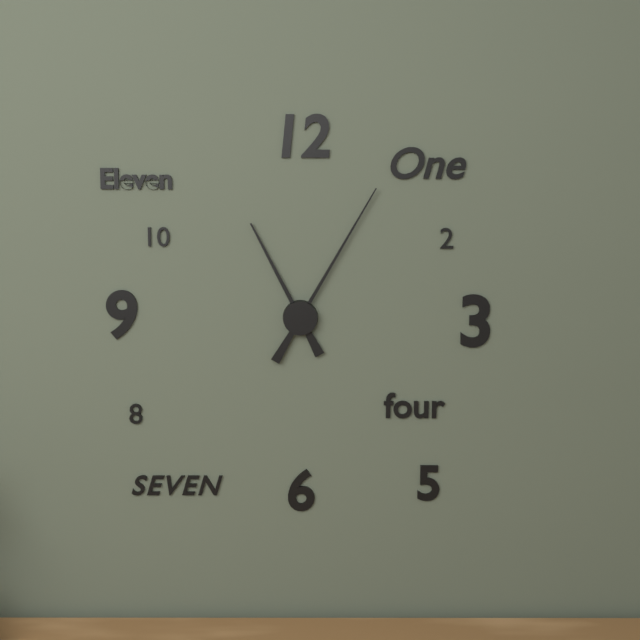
11h05
